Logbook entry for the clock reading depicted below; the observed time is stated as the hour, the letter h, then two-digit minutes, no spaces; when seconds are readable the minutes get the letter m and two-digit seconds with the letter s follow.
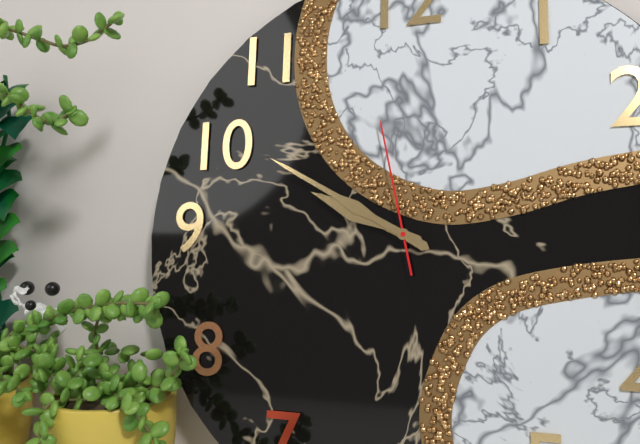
9h50m58s
